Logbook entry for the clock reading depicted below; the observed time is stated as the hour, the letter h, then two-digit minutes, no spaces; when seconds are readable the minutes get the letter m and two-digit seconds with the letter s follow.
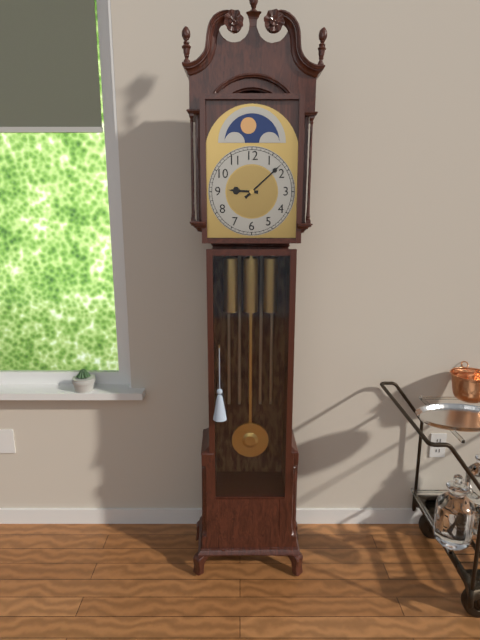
9h08
